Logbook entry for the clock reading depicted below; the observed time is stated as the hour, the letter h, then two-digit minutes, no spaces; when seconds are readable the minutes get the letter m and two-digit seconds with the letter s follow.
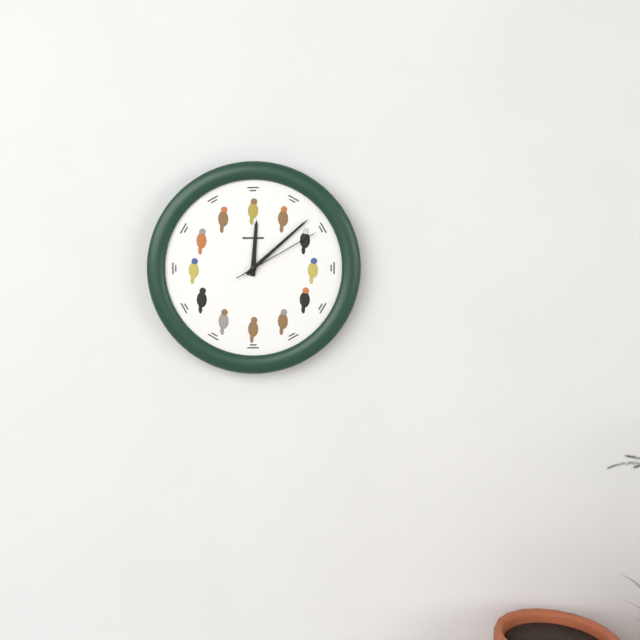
12h08m10s
